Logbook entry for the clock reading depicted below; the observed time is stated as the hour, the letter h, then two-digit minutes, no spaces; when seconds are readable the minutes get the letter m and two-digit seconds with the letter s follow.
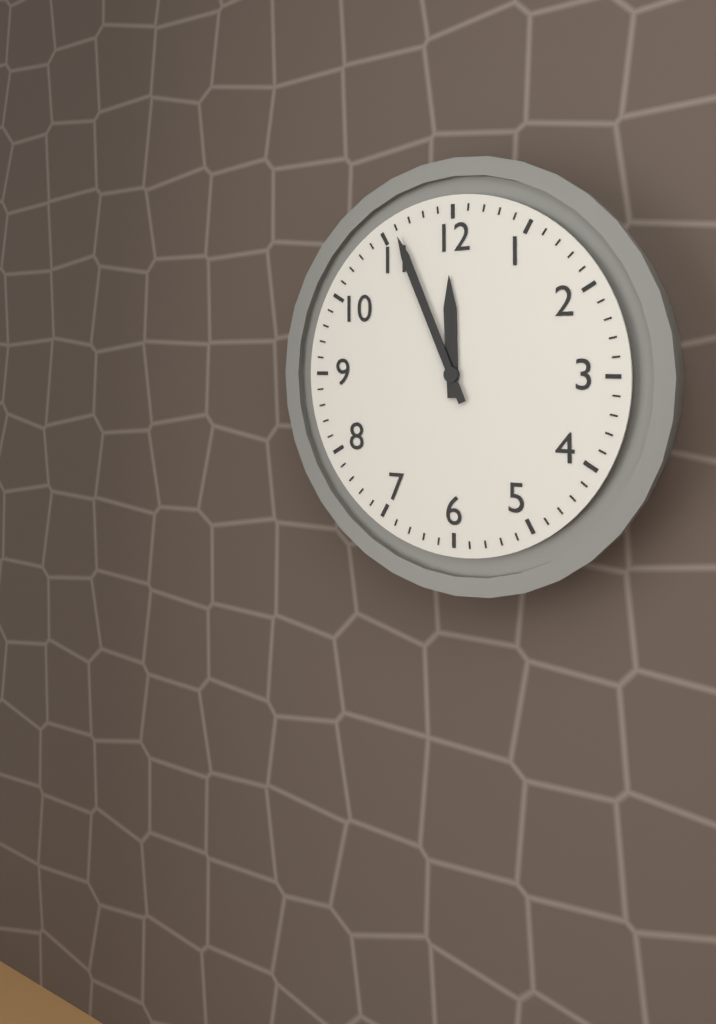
11h56
